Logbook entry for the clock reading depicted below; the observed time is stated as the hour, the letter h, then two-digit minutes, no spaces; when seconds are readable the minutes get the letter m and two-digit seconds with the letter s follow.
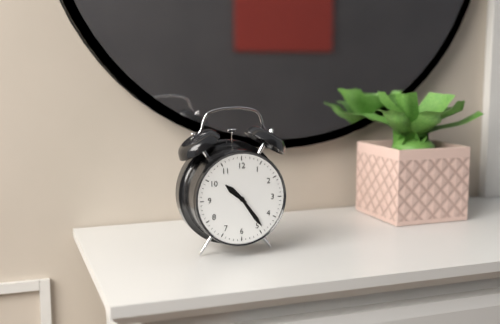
10h24
